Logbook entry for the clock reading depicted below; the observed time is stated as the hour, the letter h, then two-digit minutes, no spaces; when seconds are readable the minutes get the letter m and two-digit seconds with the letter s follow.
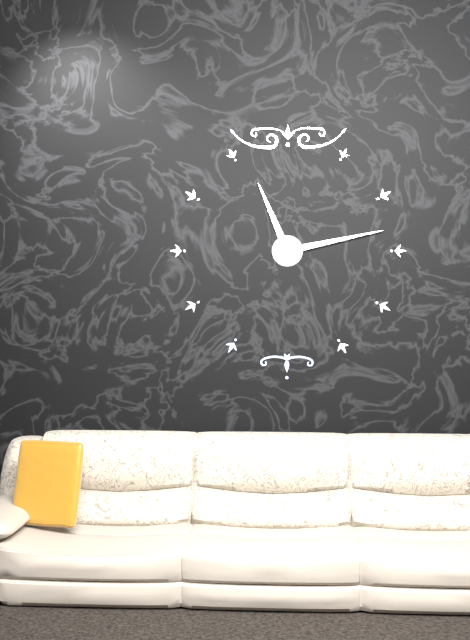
11h13
